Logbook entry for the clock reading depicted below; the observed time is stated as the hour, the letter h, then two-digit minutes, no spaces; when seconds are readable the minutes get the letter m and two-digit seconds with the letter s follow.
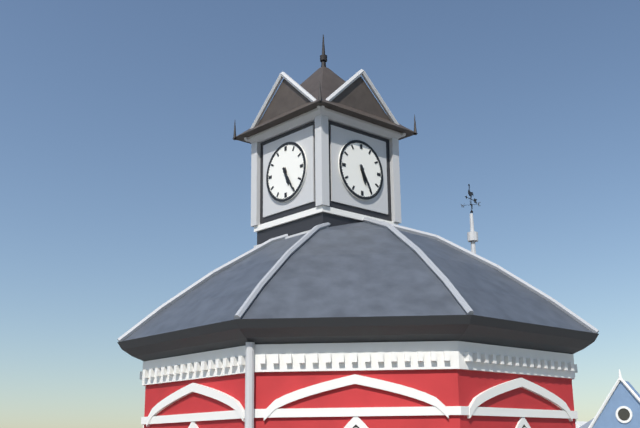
5h25
